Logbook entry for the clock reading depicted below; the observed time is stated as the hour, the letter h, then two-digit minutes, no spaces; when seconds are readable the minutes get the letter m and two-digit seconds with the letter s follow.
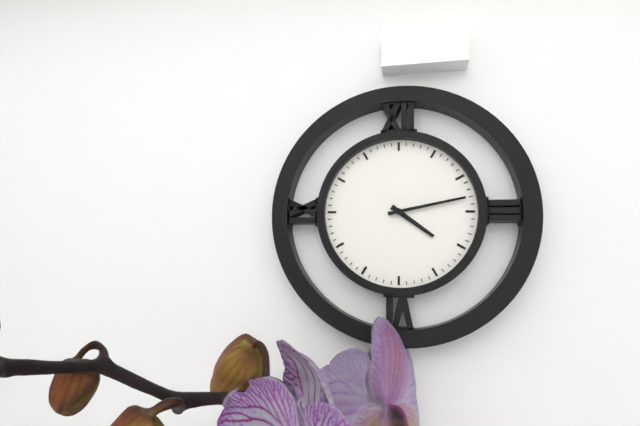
4h13
